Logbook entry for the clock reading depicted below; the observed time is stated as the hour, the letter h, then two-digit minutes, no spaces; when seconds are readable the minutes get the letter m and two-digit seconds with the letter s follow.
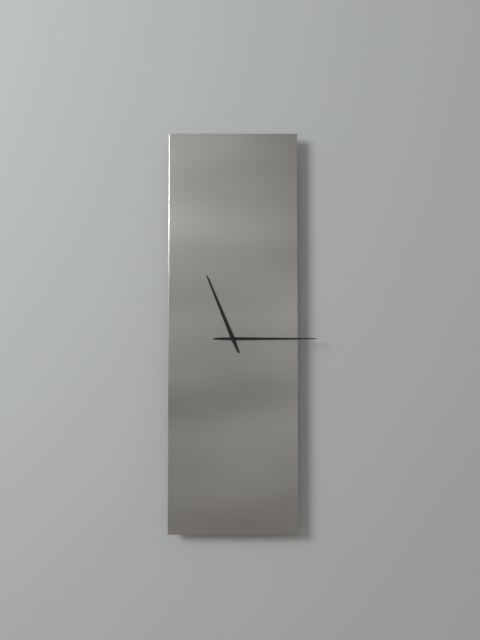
11h15
